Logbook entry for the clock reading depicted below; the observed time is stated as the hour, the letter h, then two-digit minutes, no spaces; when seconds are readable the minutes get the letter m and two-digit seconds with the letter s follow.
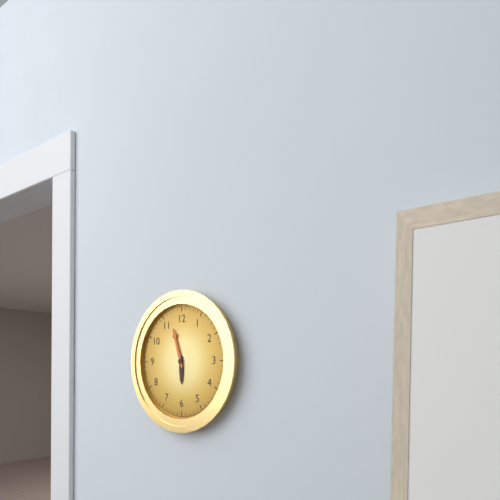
5h57
